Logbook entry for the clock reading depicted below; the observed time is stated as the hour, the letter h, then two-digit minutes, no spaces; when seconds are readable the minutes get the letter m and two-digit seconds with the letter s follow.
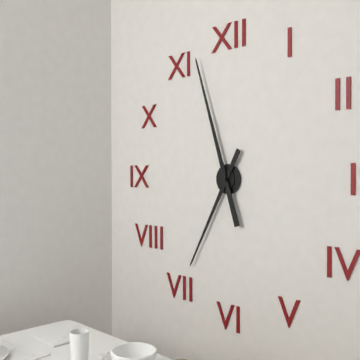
6h57
